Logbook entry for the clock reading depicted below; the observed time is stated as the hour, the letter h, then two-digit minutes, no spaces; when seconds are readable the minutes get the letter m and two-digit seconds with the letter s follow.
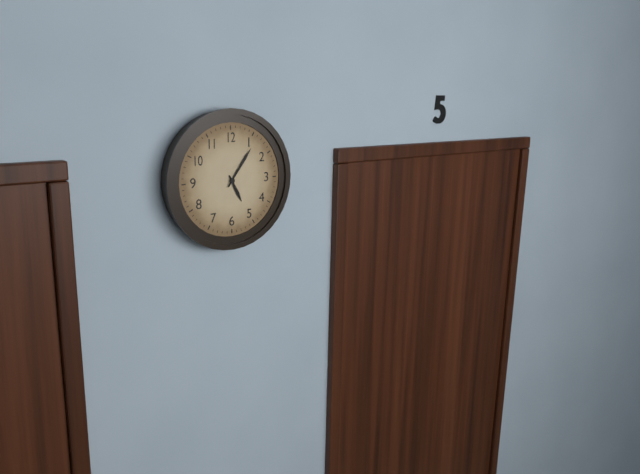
5h06
